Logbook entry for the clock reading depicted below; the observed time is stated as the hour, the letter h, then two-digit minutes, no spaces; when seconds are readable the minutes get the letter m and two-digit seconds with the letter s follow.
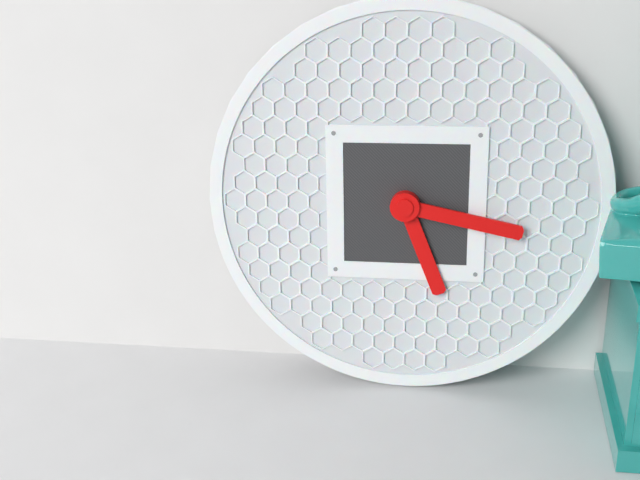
5h17
